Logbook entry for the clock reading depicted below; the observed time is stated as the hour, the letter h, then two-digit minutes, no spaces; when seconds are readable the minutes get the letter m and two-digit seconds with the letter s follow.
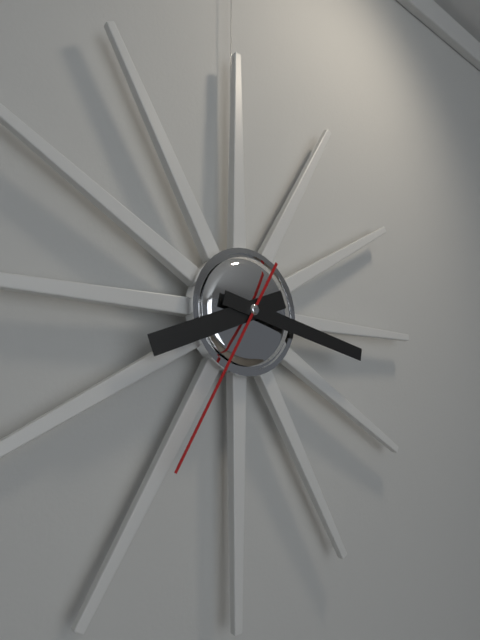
8h17m35s
